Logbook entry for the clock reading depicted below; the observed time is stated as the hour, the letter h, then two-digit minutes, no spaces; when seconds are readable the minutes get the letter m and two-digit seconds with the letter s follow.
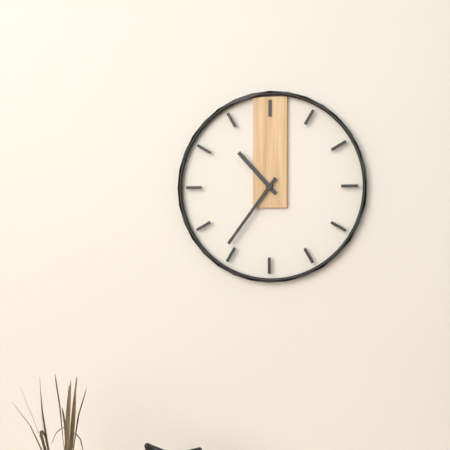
10h36
